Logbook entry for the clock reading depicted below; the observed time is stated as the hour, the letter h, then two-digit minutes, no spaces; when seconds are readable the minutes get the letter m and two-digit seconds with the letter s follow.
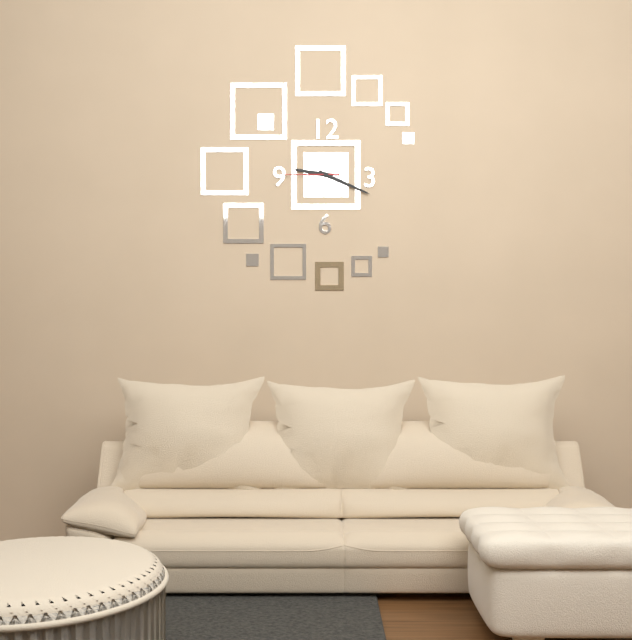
9h19m45s
